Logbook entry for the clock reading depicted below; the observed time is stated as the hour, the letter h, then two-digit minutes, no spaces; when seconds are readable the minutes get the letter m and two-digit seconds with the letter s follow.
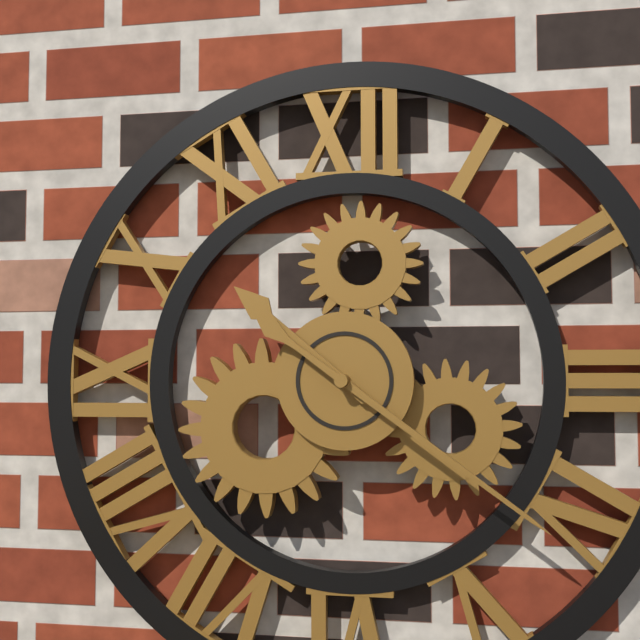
10h21
